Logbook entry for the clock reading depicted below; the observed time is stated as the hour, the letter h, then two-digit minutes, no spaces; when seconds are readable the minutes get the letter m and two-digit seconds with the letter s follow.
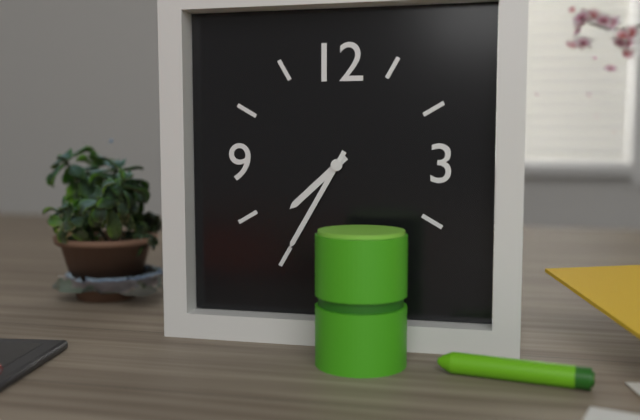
7h35
